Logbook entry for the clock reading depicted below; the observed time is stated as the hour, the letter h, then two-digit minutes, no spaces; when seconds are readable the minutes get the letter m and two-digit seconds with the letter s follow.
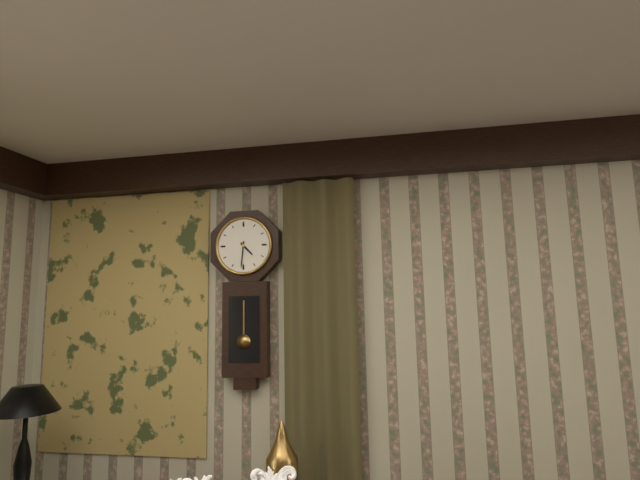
4h31
